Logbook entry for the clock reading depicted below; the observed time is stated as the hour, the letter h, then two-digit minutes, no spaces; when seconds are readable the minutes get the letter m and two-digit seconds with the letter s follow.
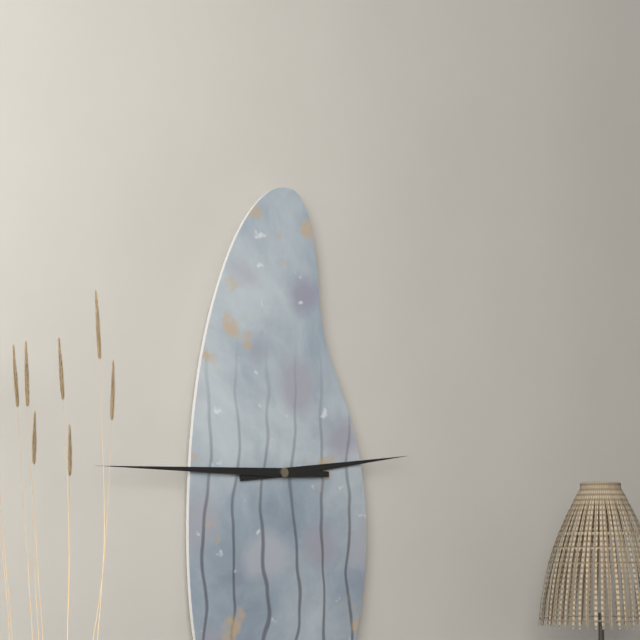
2h45
